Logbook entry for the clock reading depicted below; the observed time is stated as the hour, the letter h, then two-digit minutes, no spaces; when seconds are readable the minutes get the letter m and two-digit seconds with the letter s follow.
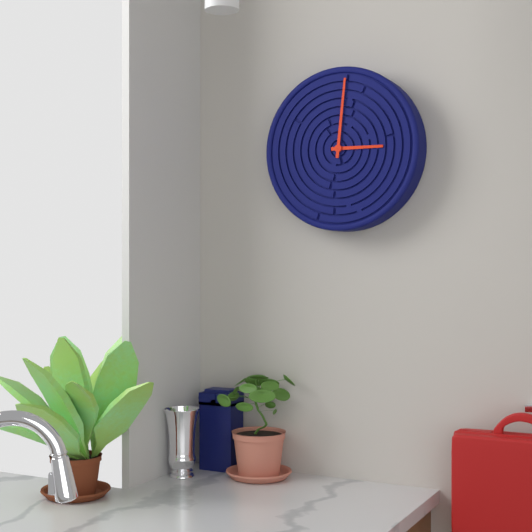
3h01
